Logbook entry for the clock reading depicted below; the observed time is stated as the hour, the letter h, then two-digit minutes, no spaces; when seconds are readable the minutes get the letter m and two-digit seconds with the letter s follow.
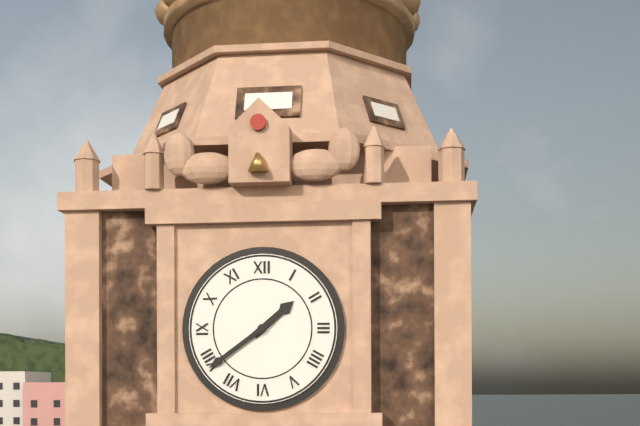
1h39
